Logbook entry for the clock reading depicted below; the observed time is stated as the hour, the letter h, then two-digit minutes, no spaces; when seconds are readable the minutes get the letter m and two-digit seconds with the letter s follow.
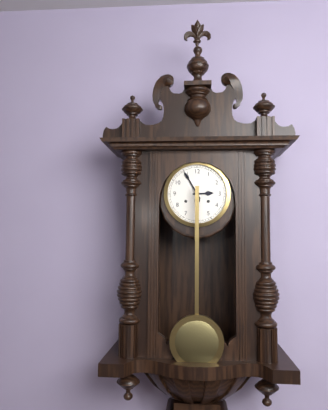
2h55
